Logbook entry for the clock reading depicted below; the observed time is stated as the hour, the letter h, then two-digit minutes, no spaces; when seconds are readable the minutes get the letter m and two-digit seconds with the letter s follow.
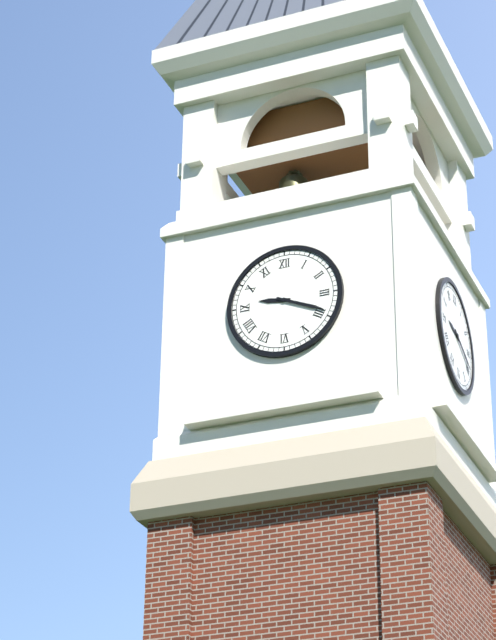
9h19
